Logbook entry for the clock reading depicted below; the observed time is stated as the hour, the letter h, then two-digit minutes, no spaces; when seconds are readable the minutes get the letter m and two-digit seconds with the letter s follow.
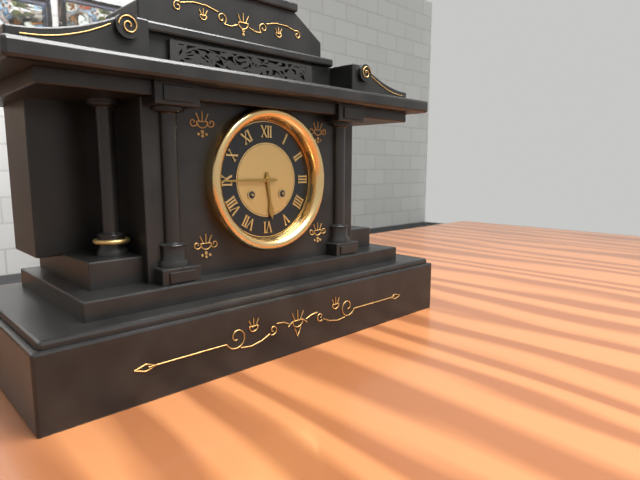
5h45
